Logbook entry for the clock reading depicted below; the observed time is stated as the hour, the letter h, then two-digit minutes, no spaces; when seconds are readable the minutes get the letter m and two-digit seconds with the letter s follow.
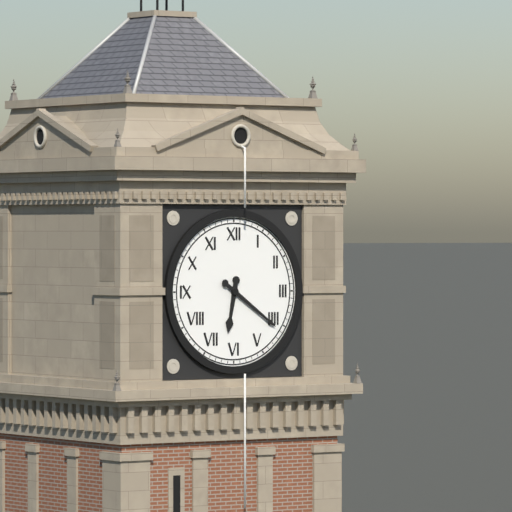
6h21
